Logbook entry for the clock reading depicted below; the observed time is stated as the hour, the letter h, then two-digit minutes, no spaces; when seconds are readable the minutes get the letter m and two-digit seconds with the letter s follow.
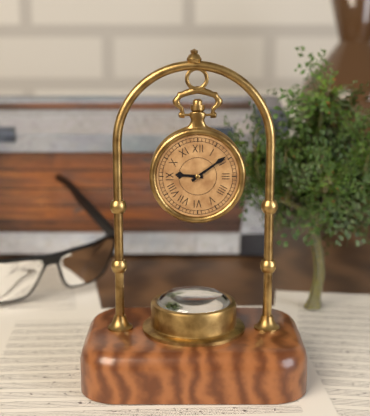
9h09
